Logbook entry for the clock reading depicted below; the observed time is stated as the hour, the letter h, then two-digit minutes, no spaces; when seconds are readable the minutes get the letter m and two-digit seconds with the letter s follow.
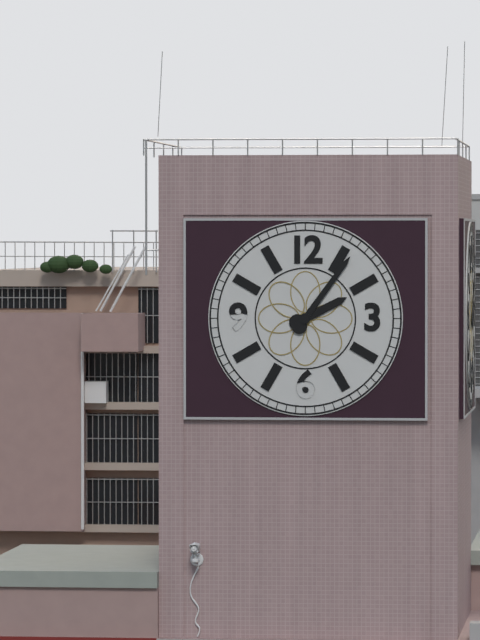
2h06
